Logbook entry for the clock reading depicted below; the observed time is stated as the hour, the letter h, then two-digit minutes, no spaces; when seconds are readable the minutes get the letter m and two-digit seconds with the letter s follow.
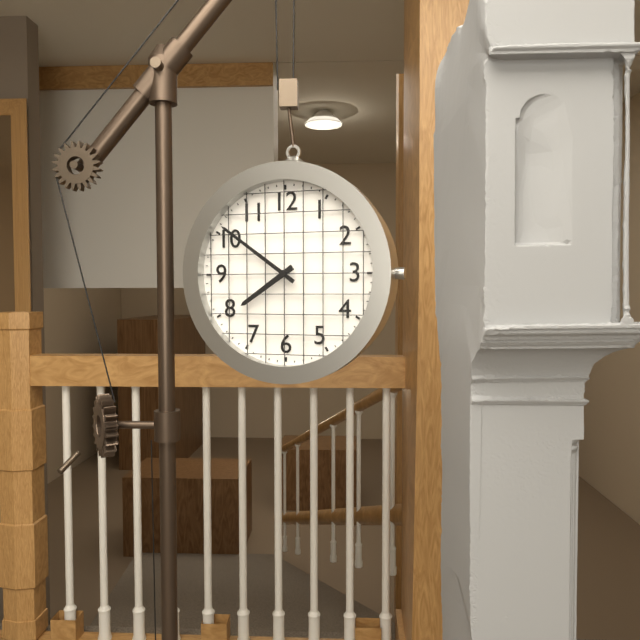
7h51
